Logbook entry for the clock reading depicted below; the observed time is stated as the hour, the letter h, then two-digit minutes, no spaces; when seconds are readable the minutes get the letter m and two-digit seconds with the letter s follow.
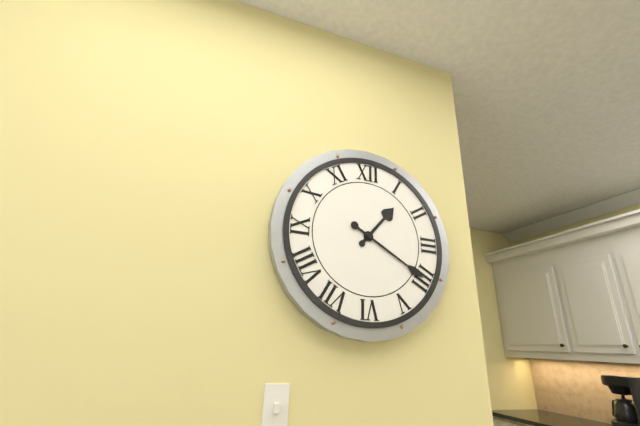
1h20
